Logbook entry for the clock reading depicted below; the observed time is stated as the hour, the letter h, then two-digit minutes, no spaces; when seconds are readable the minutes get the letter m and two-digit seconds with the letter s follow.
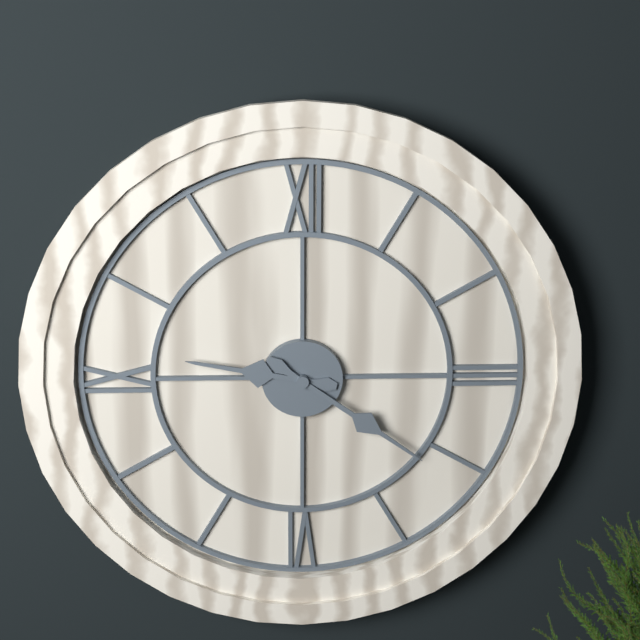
9h21
